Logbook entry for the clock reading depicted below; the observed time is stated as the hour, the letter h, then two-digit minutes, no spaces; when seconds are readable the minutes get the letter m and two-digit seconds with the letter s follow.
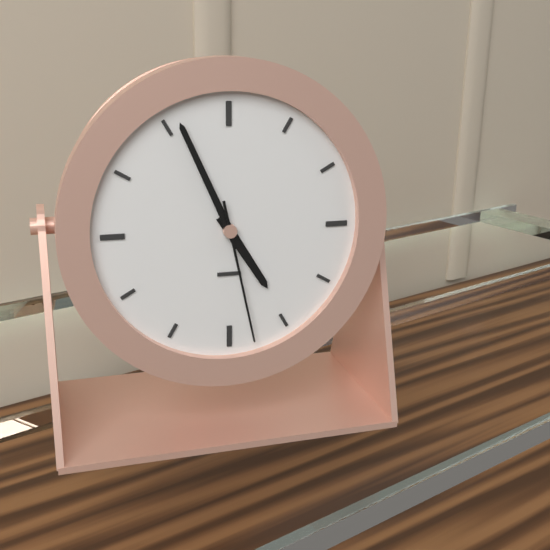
4h56m28s
